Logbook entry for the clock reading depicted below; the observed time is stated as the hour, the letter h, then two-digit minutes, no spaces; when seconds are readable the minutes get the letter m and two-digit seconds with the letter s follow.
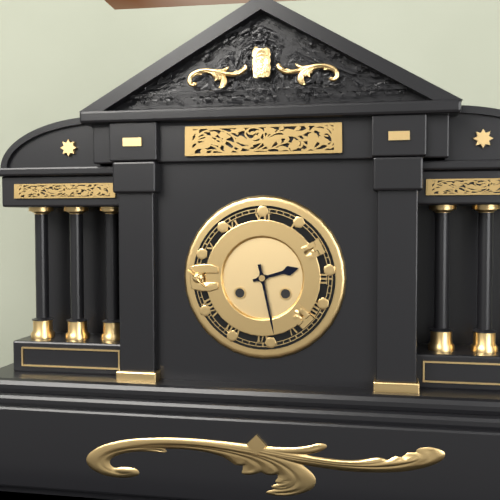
2h28
